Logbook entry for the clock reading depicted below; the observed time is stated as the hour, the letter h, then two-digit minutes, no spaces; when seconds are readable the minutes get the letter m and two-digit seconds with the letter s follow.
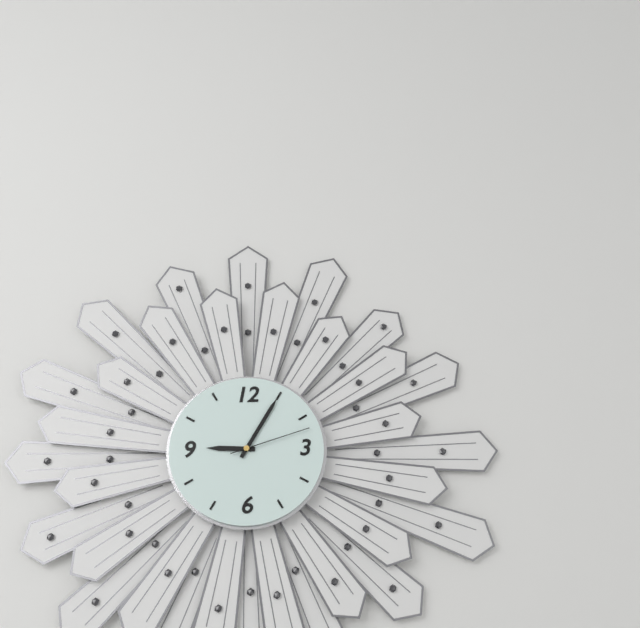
9h05m12s
